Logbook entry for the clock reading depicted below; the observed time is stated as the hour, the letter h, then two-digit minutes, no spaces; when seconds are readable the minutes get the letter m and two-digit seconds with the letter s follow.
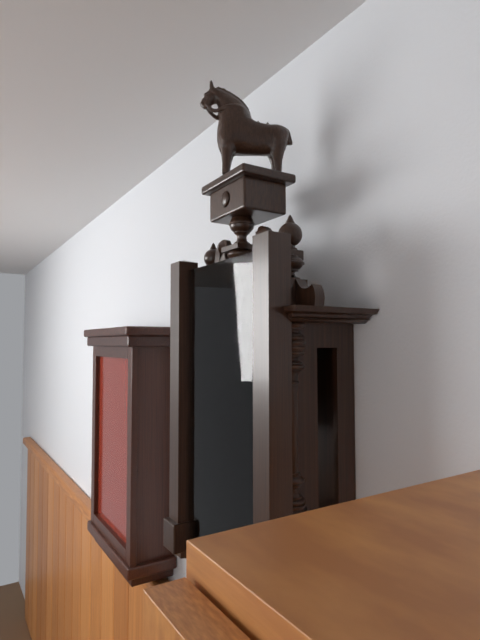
3h55
